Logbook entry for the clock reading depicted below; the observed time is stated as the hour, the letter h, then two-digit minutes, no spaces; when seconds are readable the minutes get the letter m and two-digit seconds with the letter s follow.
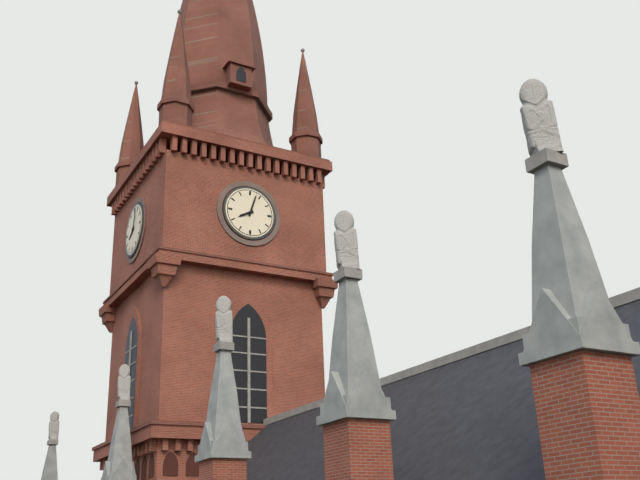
8h03
